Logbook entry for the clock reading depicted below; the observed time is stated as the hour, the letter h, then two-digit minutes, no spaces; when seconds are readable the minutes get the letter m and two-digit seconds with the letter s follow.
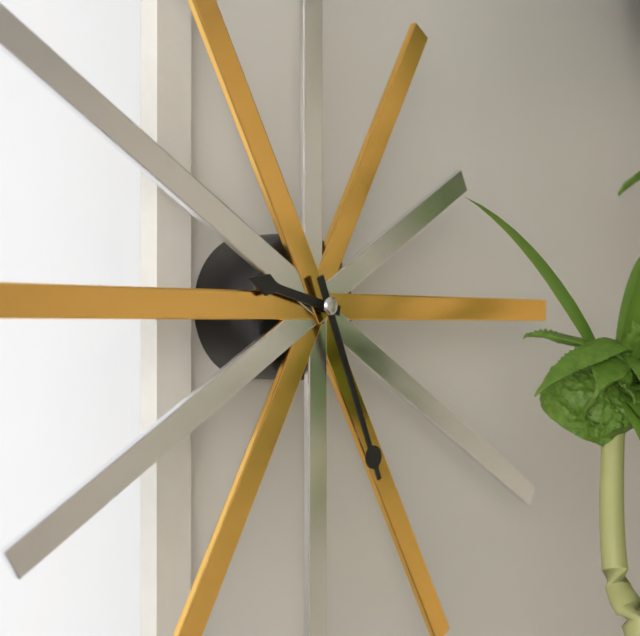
9h26
